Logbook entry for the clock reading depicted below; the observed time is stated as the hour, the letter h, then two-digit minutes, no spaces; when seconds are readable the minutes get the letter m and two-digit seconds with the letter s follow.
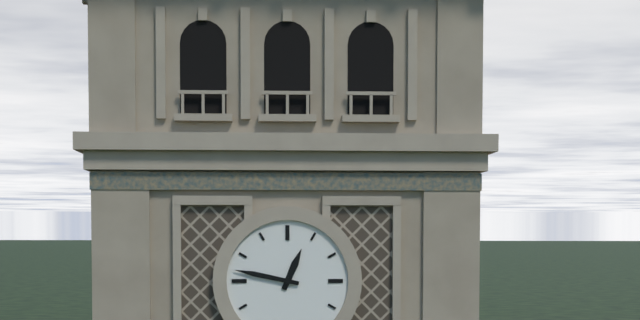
12h47
